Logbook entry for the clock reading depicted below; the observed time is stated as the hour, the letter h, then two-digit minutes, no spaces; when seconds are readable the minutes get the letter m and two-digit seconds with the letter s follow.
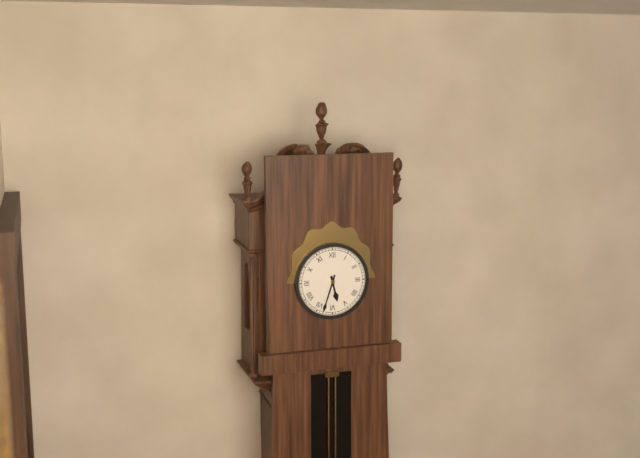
5h33
